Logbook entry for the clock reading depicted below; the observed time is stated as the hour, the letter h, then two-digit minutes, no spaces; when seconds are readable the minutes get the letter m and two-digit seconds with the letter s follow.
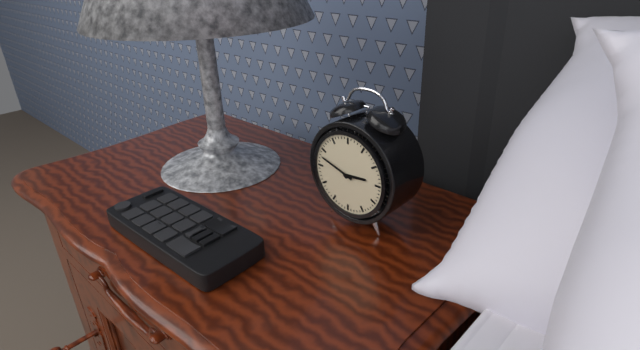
2h48
